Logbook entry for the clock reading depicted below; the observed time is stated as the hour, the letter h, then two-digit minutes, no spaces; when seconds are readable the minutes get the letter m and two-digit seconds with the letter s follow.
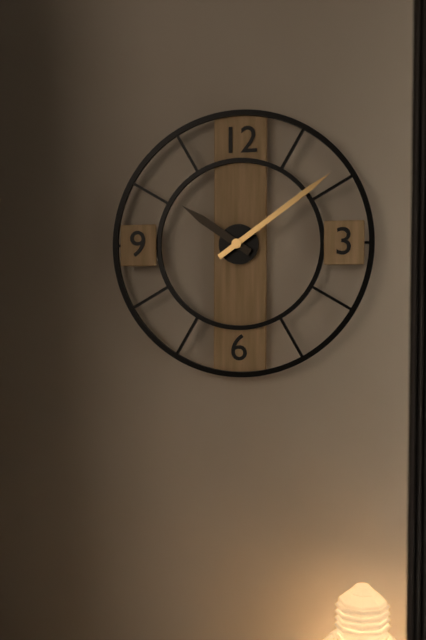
10h09
